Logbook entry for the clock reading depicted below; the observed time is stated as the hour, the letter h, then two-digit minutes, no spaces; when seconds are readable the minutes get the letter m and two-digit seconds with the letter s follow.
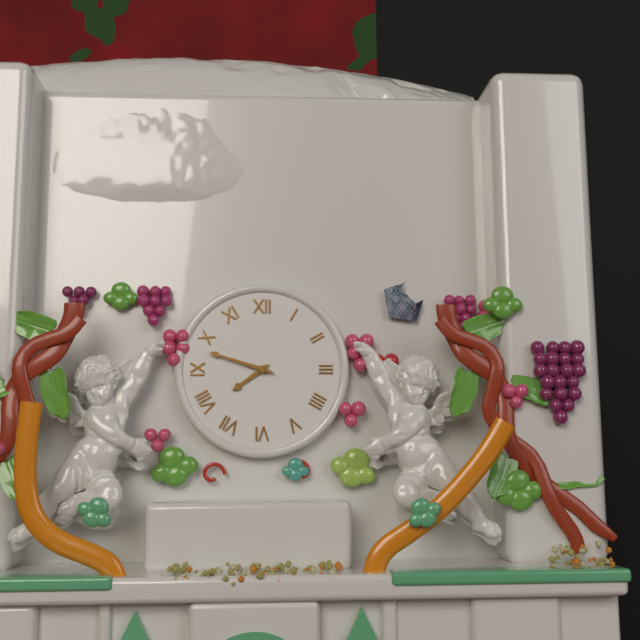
7h48
